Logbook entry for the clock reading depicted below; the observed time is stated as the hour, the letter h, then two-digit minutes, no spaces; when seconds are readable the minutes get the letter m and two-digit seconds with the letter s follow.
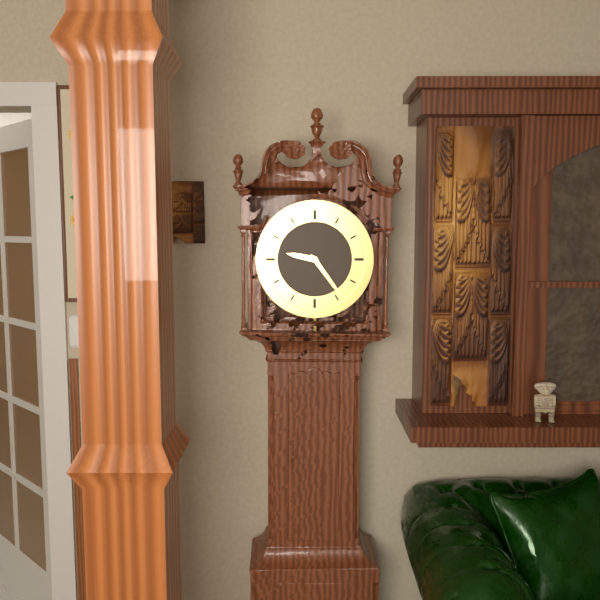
9h24
